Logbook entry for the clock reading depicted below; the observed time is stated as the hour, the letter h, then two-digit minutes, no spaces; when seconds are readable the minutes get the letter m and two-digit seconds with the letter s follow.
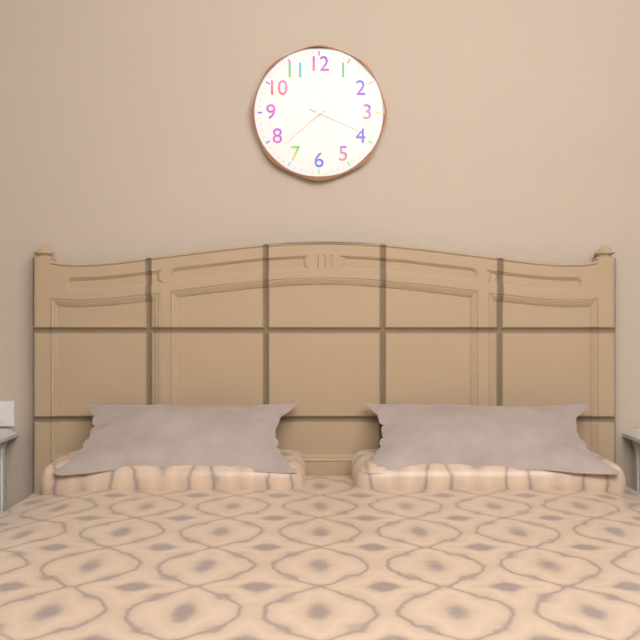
7h38m19s
